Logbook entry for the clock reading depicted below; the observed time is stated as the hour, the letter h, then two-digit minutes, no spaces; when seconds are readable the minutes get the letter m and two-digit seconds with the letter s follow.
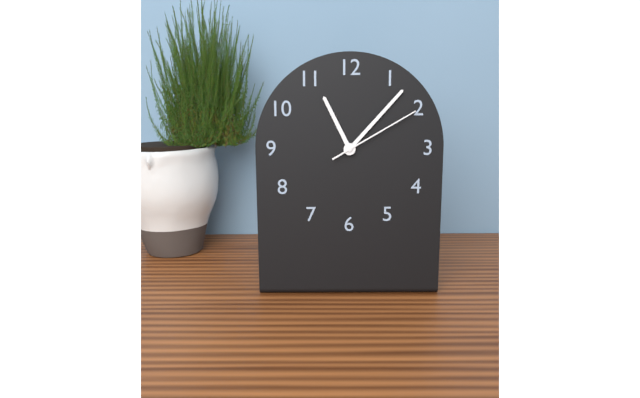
11h07m10s
